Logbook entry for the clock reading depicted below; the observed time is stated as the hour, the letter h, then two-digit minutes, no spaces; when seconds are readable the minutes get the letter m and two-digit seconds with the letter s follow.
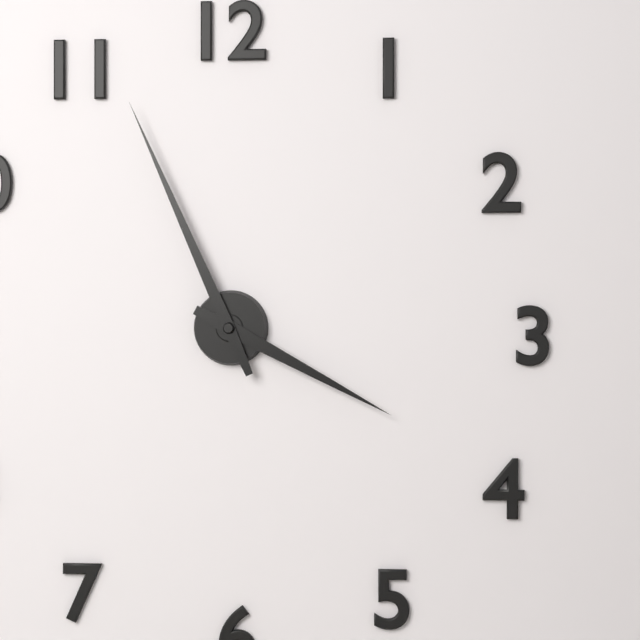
3h56
